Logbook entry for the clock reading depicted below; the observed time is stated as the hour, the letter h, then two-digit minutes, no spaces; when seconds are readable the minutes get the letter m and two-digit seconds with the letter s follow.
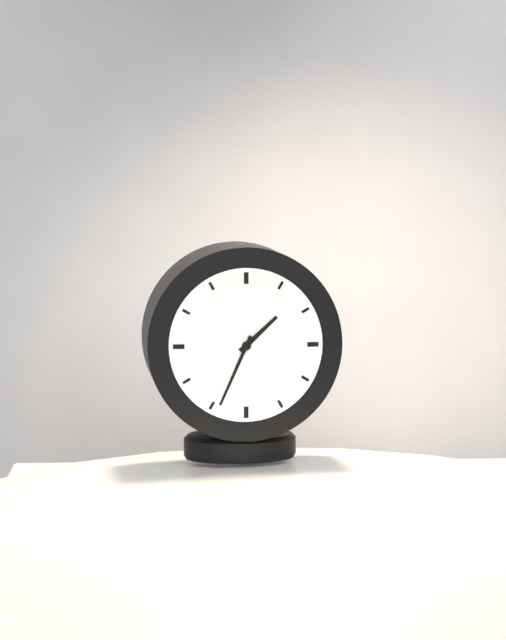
1h34
